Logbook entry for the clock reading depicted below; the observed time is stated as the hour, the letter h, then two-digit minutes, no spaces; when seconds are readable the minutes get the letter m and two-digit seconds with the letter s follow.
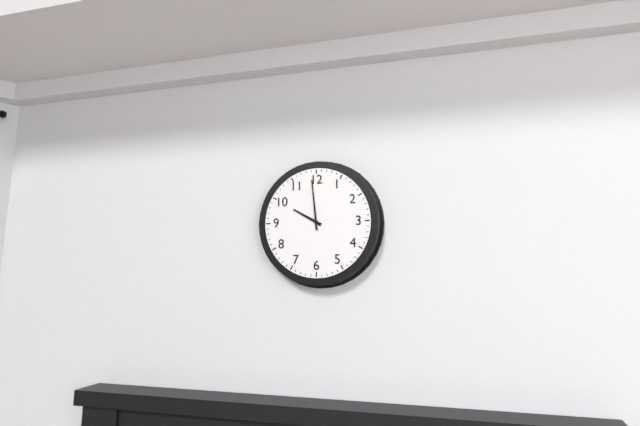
9h59
